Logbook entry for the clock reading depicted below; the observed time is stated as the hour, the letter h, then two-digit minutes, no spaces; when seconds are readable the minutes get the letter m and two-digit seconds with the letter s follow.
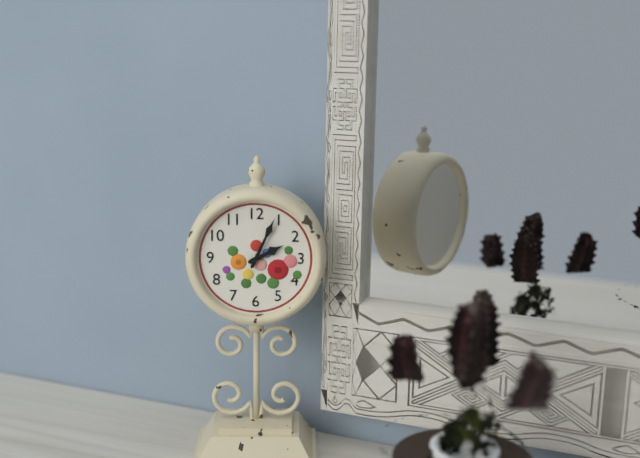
2h04
